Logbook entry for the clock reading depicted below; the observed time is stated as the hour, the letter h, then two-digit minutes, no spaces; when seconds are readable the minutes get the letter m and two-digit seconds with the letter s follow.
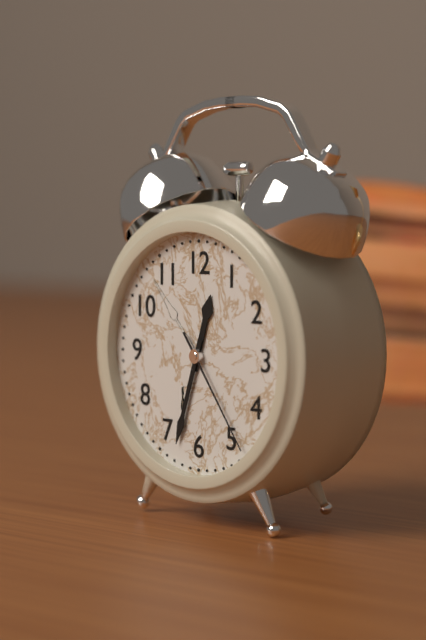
12h33m24s
